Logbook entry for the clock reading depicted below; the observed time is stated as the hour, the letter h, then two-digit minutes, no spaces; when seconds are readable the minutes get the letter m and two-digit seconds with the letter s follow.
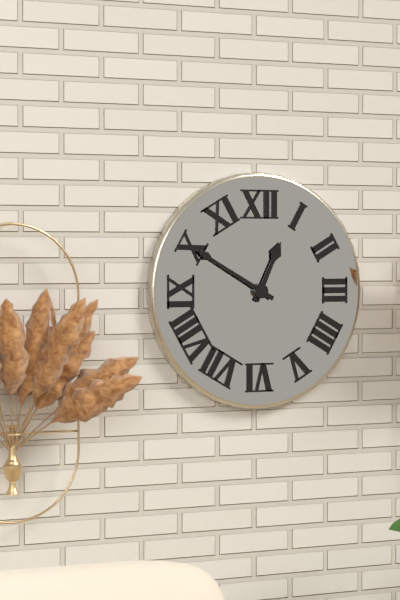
12h50
